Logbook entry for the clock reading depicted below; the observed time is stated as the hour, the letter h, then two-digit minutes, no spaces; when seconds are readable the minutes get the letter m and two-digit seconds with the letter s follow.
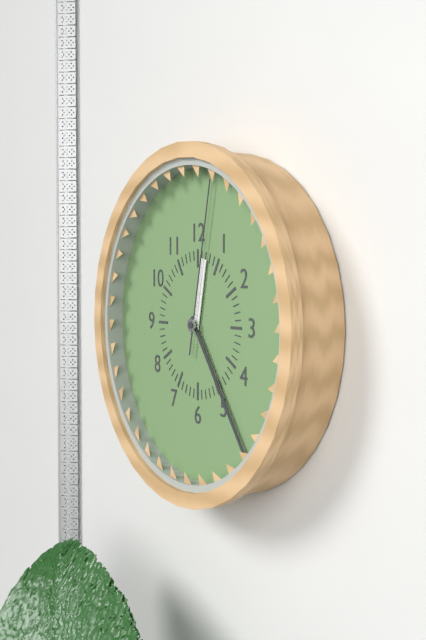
12h24m02s
